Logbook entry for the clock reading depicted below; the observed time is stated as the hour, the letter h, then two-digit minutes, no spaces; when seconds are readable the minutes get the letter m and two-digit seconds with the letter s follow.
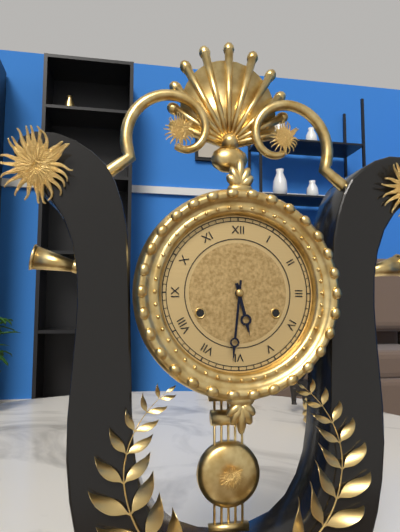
5h31
